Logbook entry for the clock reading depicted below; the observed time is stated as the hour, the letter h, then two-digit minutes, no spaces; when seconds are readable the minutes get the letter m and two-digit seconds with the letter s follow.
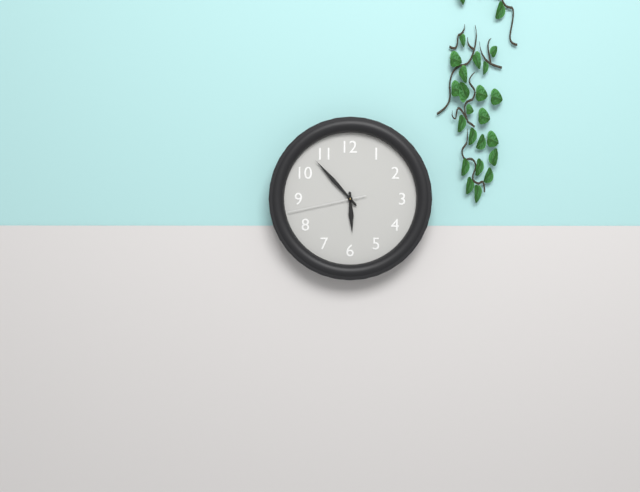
5h53m43s
